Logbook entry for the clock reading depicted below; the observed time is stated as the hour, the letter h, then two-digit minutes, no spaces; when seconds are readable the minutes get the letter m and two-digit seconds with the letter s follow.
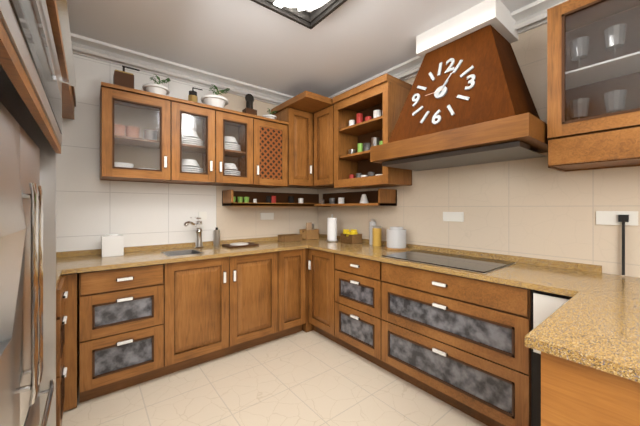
1h05
